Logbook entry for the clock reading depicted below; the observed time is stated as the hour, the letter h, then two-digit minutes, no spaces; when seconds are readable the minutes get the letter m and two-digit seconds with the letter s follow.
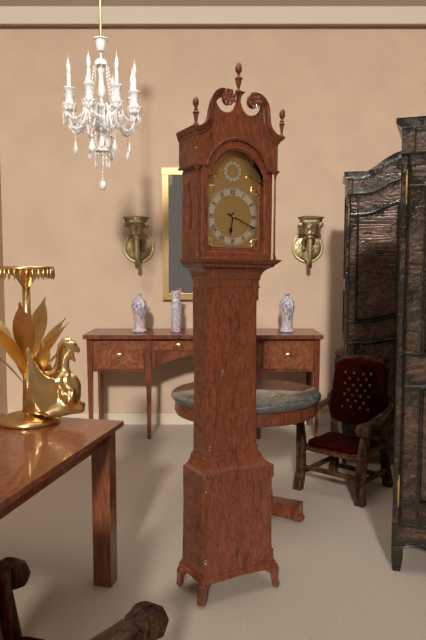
6h19
